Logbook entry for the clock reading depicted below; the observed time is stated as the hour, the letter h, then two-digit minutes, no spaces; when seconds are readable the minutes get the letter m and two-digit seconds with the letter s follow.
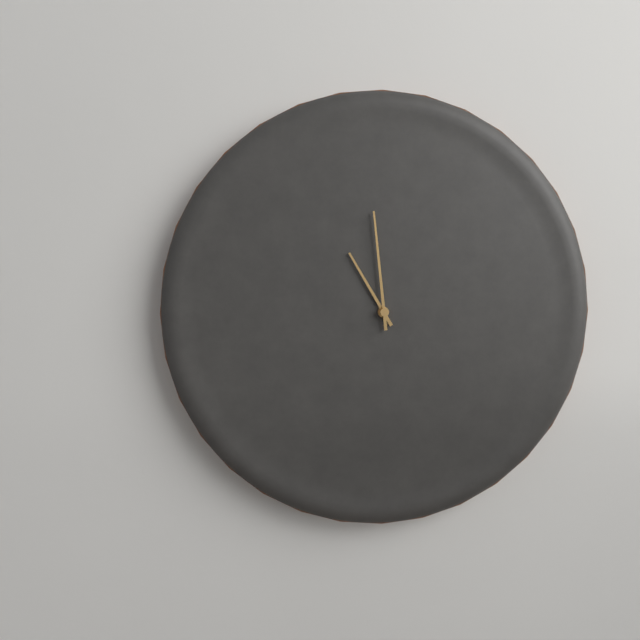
10h59
